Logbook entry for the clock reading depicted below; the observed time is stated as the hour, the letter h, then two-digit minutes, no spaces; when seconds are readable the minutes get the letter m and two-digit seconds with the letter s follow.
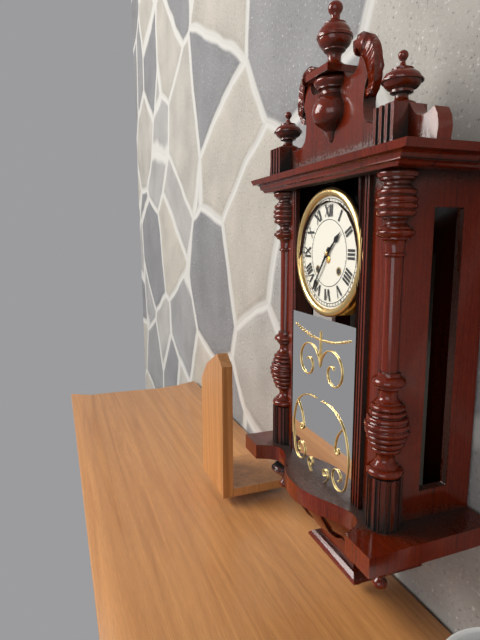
1h36
